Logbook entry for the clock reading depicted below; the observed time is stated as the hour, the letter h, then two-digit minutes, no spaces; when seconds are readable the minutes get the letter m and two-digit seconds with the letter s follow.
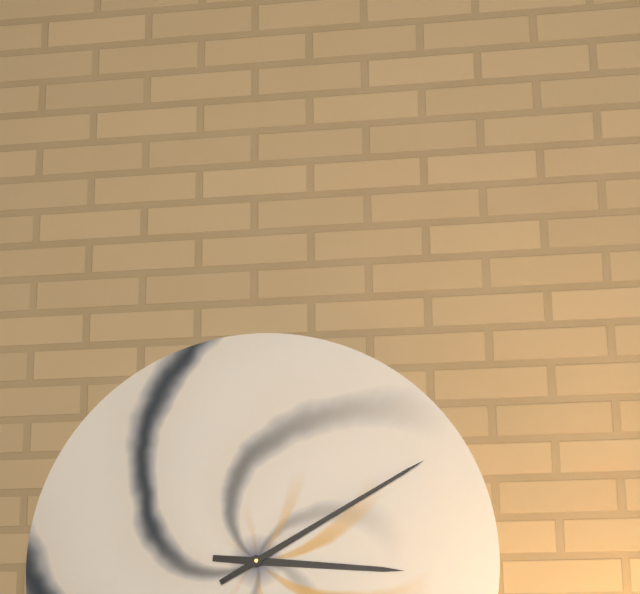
3h10
